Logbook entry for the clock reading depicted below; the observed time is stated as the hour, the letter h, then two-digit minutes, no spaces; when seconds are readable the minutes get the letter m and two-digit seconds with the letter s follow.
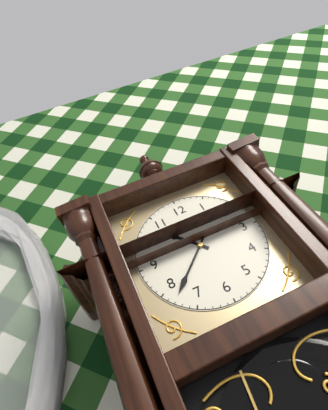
10h38
